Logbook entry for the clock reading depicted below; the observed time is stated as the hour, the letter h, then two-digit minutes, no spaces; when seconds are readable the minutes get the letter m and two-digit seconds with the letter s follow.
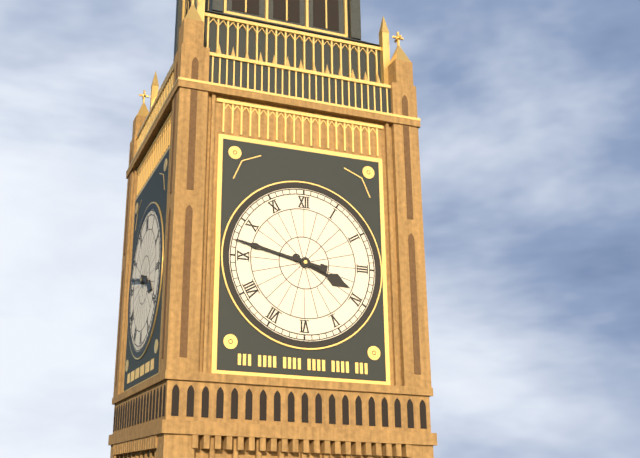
3h47
